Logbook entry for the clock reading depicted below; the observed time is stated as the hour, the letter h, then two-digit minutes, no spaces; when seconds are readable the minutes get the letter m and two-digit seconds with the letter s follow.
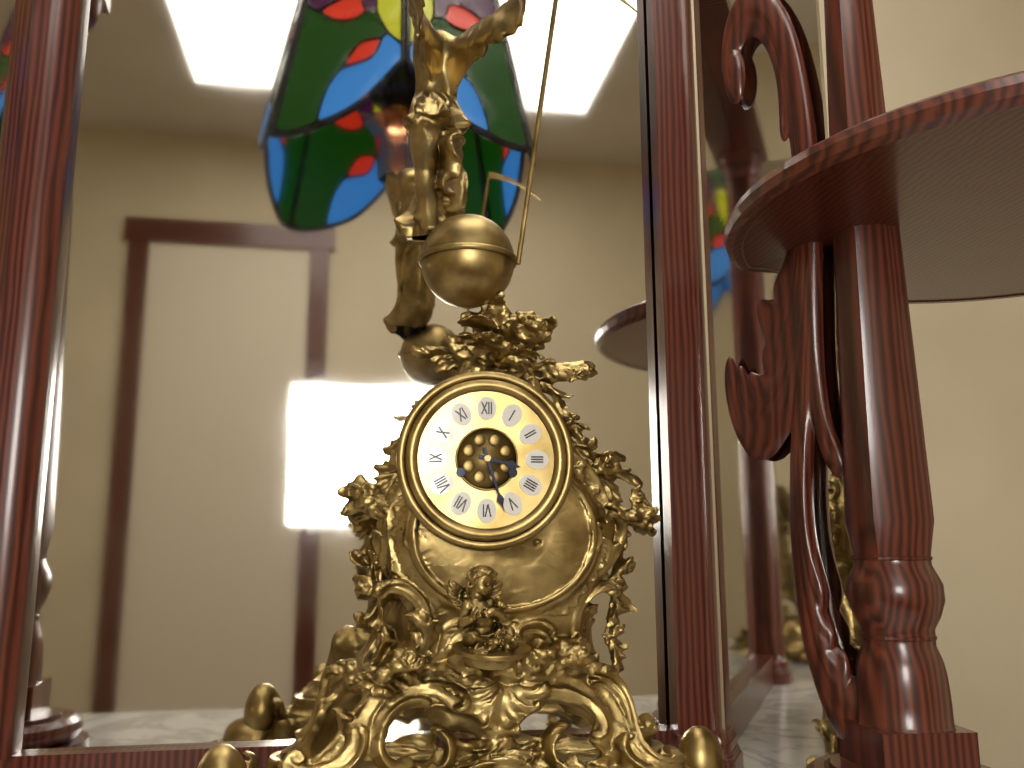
3h27
